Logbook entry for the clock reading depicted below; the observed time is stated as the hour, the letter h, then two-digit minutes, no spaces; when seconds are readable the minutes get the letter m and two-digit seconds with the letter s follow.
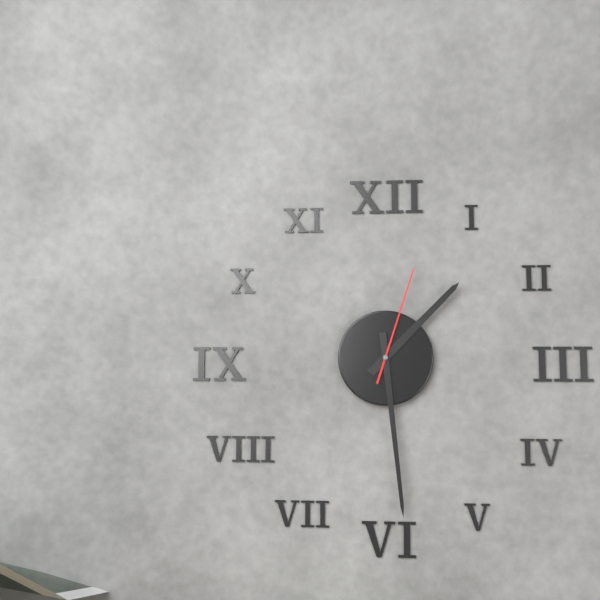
1h29m03s
